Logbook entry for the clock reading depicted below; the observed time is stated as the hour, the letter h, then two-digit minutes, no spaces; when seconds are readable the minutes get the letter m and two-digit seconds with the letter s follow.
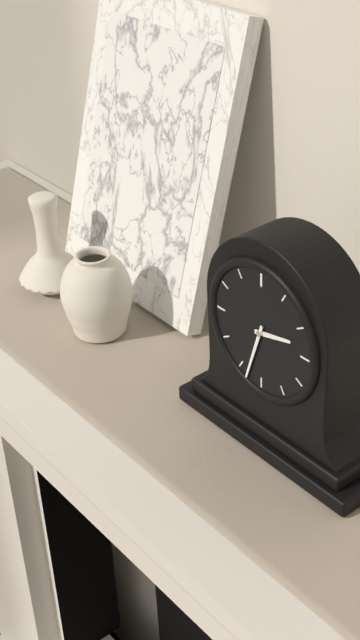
2h33
